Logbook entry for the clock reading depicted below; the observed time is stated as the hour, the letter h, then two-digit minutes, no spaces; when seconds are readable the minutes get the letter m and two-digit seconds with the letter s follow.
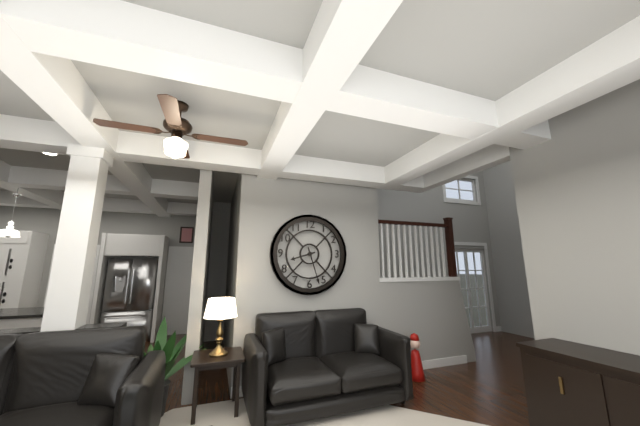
8h27
